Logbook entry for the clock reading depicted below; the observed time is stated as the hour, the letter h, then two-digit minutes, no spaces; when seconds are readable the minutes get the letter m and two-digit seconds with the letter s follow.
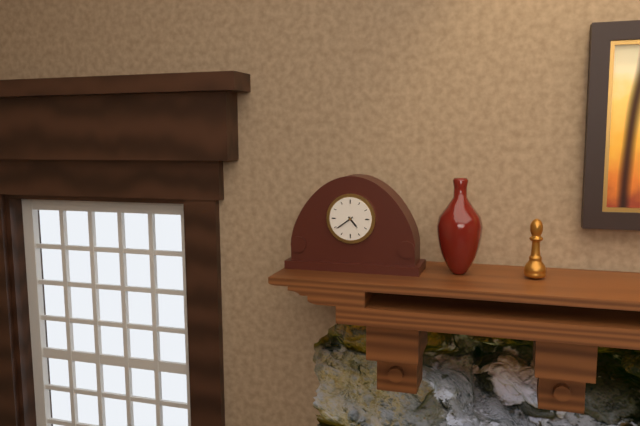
4h39
